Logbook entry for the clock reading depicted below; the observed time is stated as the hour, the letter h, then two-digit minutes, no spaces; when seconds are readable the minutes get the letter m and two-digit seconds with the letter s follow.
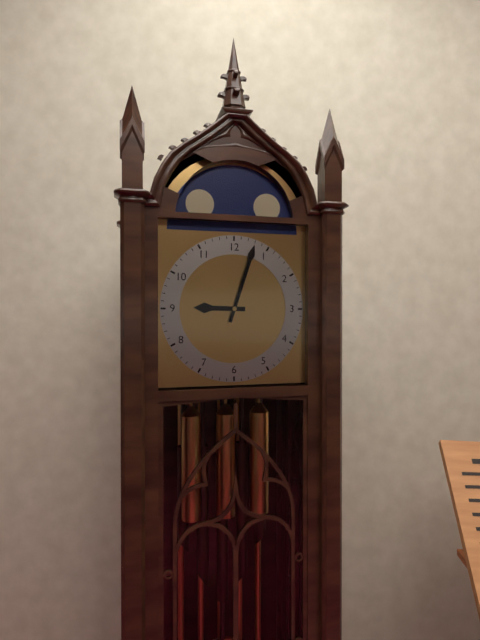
9h03
